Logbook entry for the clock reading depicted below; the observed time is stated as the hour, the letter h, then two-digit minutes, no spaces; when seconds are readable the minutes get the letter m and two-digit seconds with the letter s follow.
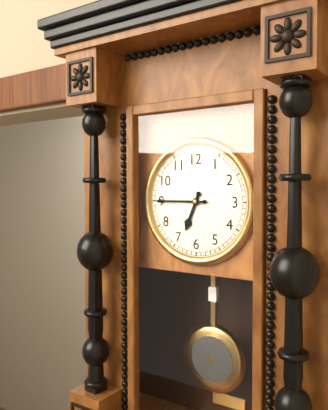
6h45
